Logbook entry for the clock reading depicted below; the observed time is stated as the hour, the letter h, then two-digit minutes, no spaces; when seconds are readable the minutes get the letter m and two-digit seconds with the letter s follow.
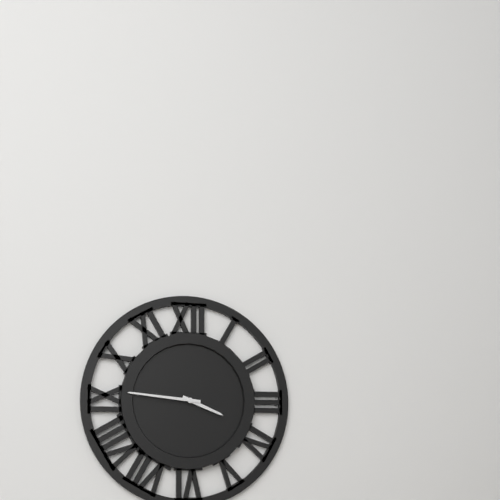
3h46
